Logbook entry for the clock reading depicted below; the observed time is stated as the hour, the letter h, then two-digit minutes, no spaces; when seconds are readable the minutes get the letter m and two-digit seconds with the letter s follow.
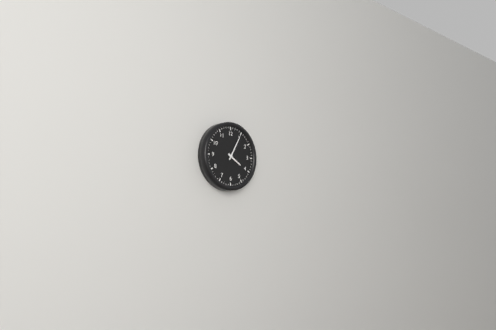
4h05
